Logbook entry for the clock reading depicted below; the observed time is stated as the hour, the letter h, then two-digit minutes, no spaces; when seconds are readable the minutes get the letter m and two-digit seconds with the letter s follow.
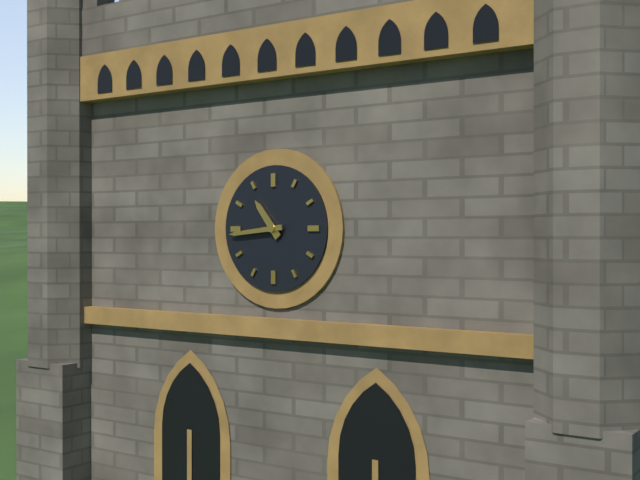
10h44
